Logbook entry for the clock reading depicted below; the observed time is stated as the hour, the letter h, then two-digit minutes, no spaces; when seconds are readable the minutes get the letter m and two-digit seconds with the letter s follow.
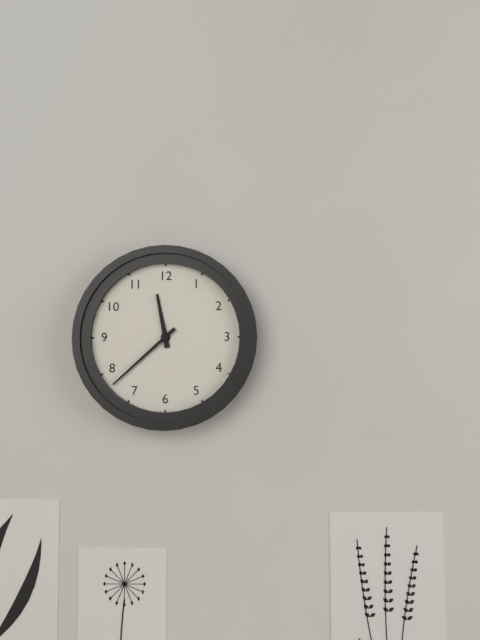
11h38
